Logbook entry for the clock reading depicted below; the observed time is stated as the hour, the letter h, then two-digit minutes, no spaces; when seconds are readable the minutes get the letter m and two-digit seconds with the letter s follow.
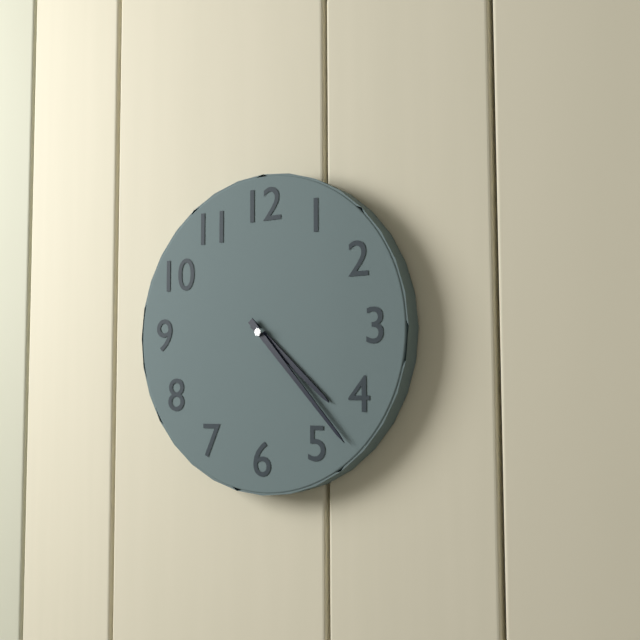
4h23
